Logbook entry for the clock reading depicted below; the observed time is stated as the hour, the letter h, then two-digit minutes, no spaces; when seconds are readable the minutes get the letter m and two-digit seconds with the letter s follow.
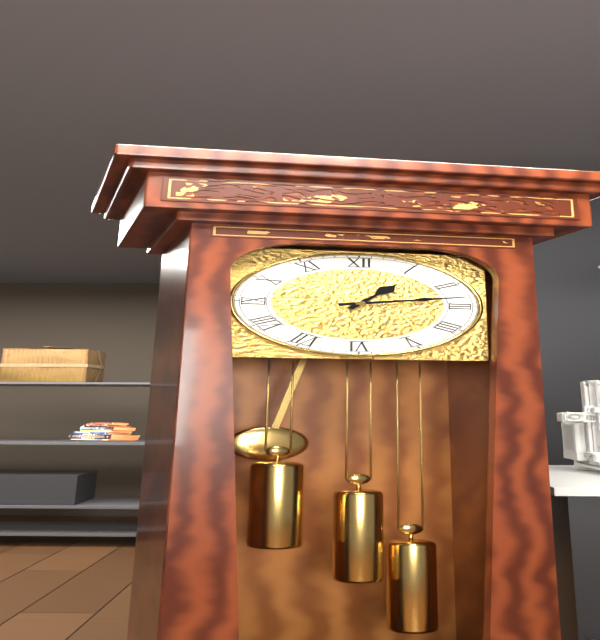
1h13
